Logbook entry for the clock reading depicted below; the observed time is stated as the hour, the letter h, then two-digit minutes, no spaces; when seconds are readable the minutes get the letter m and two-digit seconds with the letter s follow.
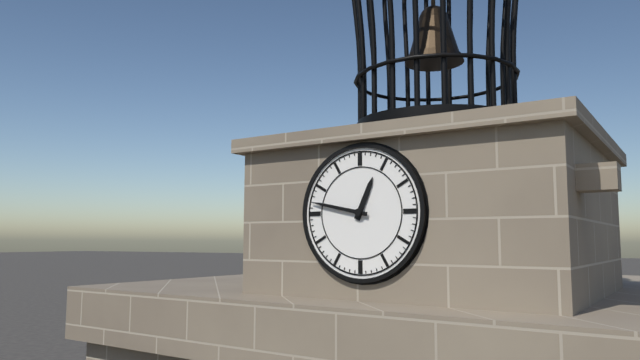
12h47
